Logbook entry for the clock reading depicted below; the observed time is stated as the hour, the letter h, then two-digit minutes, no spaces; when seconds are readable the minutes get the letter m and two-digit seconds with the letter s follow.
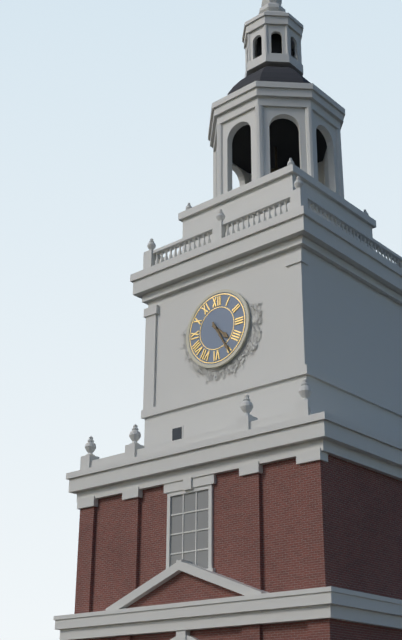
4h25
